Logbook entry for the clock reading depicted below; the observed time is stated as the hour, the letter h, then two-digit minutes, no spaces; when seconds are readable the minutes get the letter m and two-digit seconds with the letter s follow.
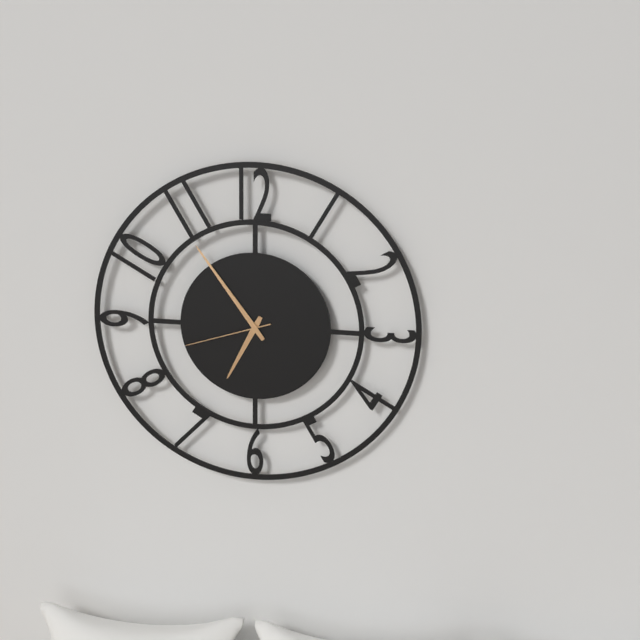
6h54m42s
